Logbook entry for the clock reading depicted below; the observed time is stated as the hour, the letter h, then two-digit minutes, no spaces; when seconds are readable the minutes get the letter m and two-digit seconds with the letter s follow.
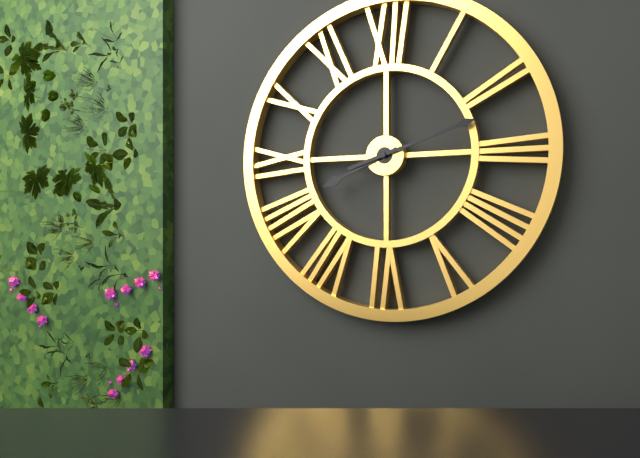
8h12
